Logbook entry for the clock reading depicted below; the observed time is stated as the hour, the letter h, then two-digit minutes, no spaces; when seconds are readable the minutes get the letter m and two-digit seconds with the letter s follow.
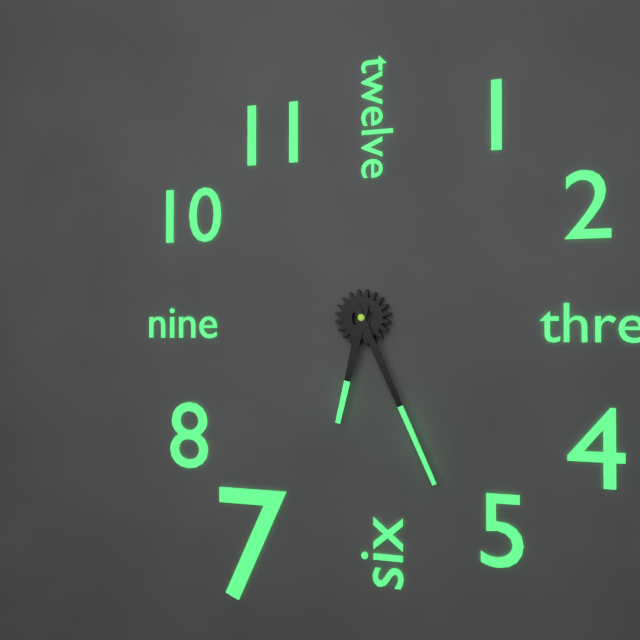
6h26
